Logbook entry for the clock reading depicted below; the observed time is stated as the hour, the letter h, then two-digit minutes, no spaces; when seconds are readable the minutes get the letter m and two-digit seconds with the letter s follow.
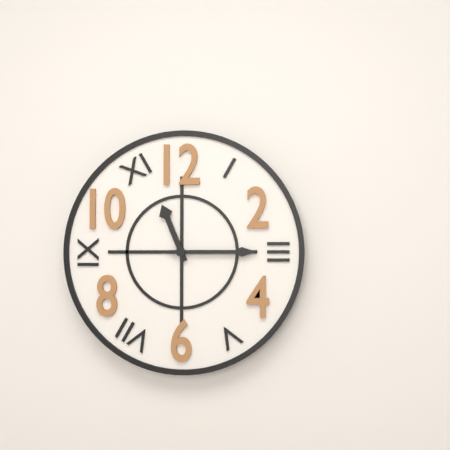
11h15
